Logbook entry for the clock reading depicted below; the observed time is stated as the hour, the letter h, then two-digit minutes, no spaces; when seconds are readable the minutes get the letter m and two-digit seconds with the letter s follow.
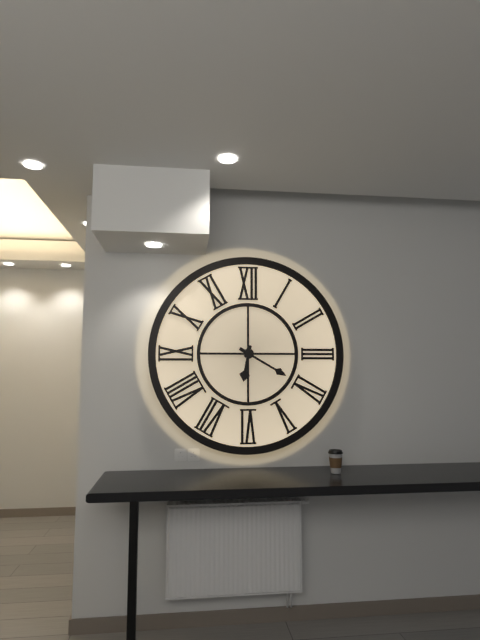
6h20
